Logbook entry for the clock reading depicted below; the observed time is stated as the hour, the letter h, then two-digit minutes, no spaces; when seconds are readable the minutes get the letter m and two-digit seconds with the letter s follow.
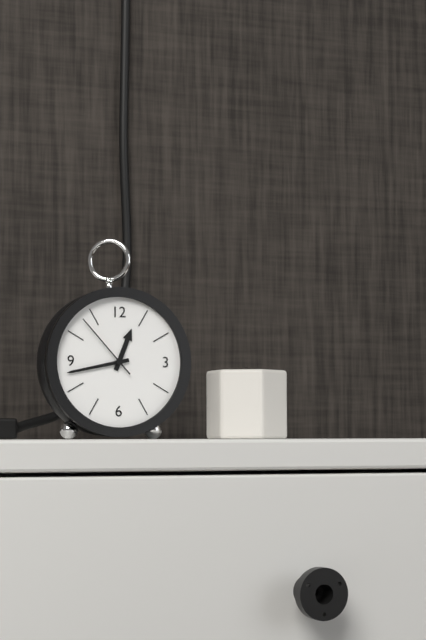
12h43m53s
